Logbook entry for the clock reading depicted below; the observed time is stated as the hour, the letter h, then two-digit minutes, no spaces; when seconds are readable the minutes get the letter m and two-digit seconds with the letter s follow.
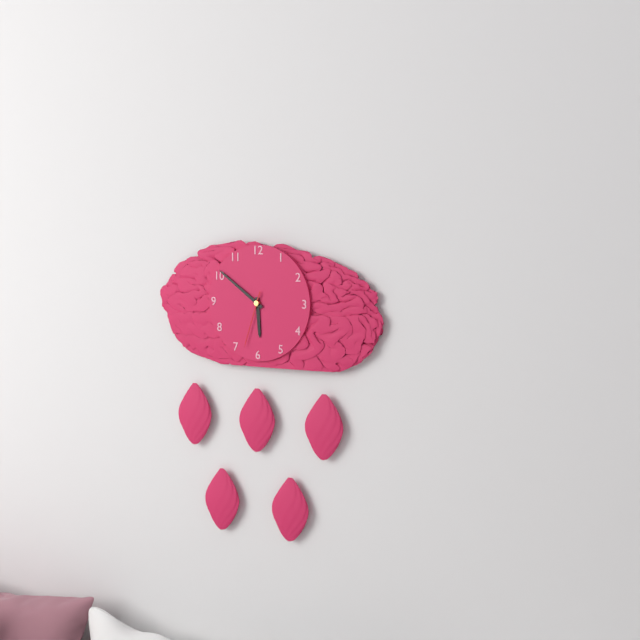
5h51m33s
